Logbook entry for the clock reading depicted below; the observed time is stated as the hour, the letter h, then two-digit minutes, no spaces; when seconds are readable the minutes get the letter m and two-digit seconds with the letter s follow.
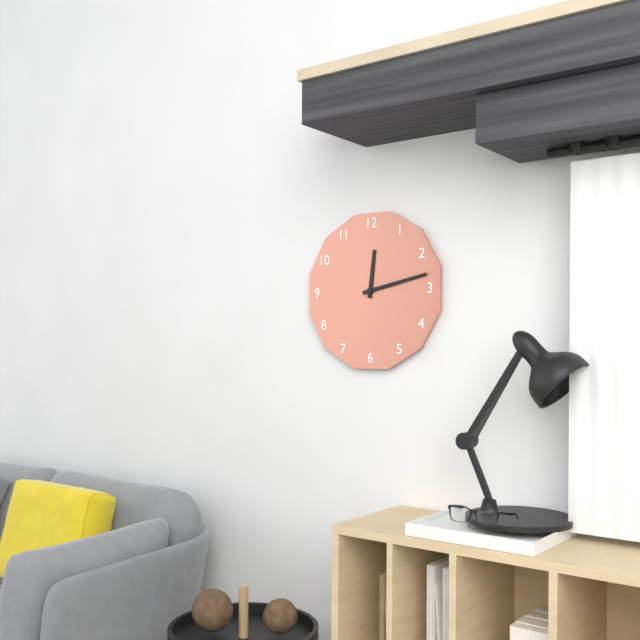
12h13
